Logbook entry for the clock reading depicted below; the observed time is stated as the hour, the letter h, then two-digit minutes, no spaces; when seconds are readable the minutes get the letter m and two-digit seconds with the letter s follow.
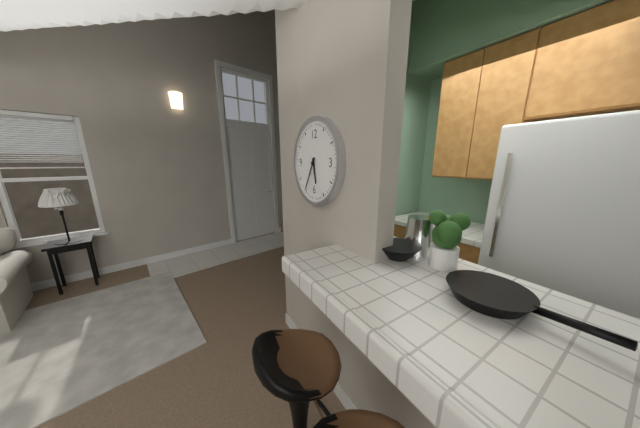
5h35
